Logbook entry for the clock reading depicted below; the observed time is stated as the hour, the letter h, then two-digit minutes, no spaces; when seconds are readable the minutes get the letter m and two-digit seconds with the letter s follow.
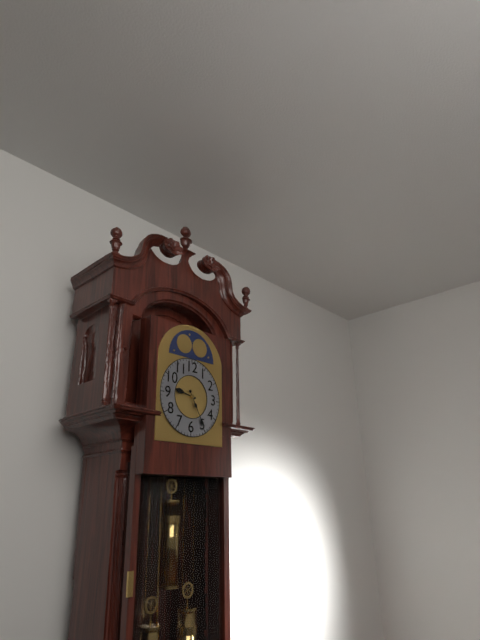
9h25
